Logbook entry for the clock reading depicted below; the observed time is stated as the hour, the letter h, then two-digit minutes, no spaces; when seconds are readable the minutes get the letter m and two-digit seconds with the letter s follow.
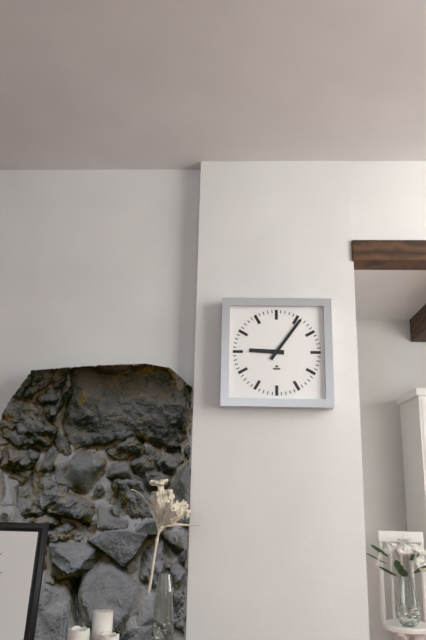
9h06
